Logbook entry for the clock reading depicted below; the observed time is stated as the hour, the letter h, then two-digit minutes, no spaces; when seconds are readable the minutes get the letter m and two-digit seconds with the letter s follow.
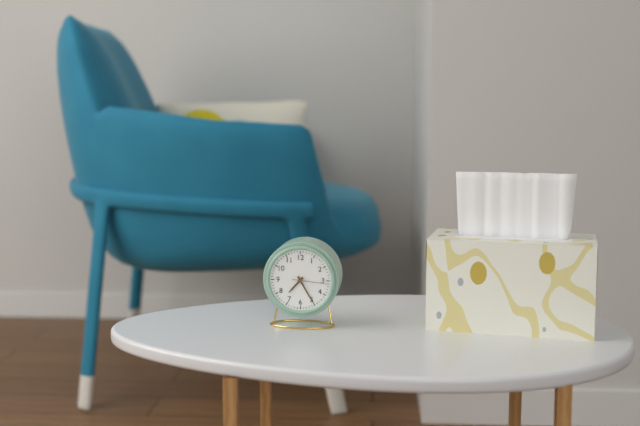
7h25
